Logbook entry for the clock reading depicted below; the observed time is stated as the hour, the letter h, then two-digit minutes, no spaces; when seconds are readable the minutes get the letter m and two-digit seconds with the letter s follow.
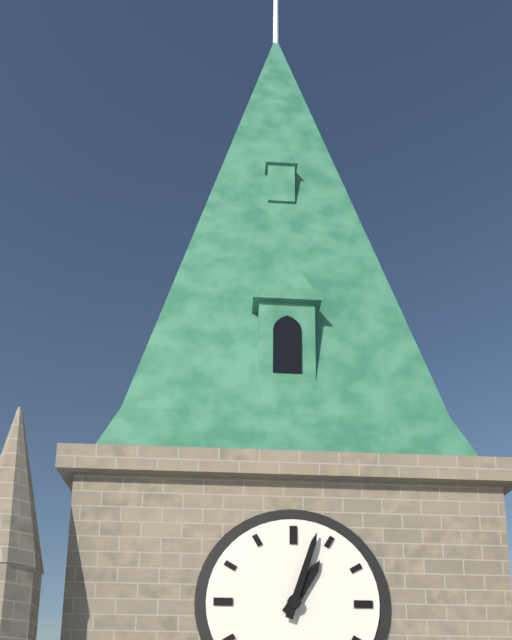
1h03
